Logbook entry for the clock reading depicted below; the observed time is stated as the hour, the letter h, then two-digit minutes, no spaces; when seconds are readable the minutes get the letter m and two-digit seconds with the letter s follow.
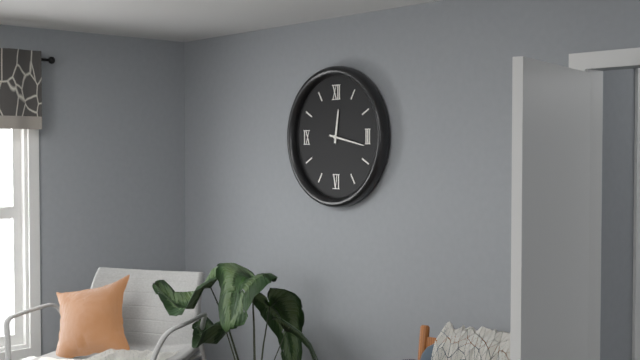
12h17
